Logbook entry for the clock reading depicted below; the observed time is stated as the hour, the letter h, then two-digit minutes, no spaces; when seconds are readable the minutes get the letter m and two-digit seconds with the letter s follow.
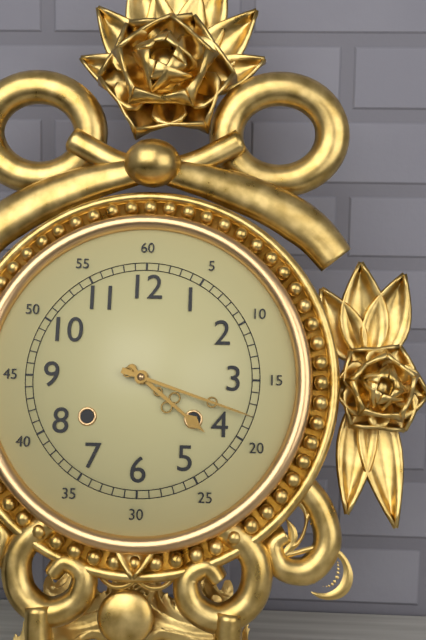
4h18
